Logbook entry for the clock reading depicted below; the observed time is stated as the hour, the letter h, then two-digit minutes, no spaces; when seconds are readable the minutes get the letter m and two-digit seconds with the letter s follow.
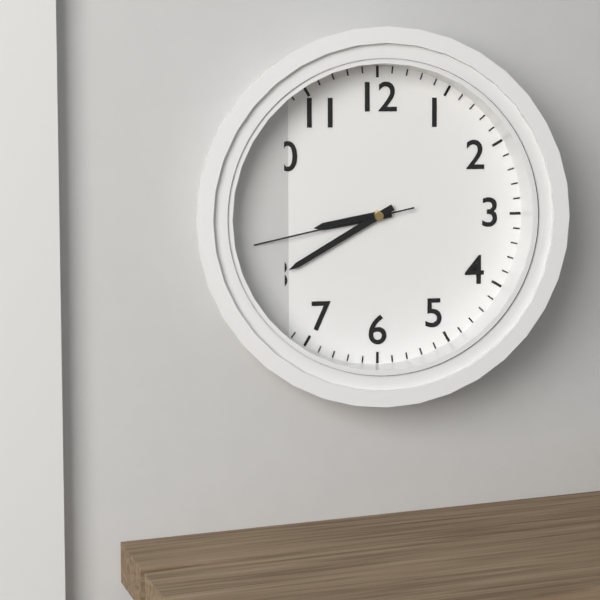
8h40m43s
